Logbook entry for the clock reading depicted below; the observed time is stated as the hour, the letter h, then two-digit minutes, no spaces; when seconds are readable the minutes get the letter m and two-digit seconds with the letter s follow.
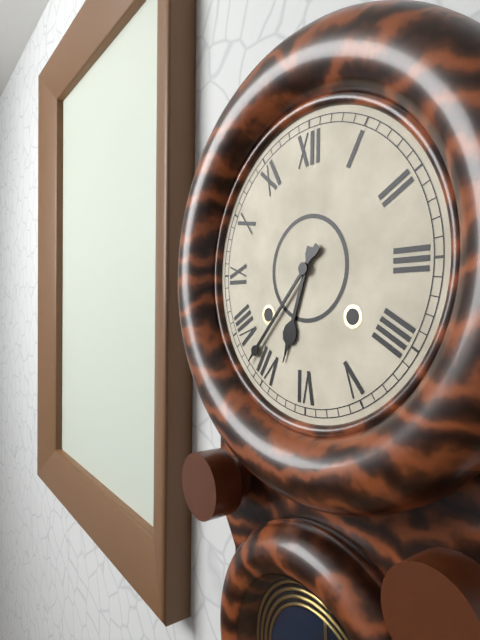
6h37
